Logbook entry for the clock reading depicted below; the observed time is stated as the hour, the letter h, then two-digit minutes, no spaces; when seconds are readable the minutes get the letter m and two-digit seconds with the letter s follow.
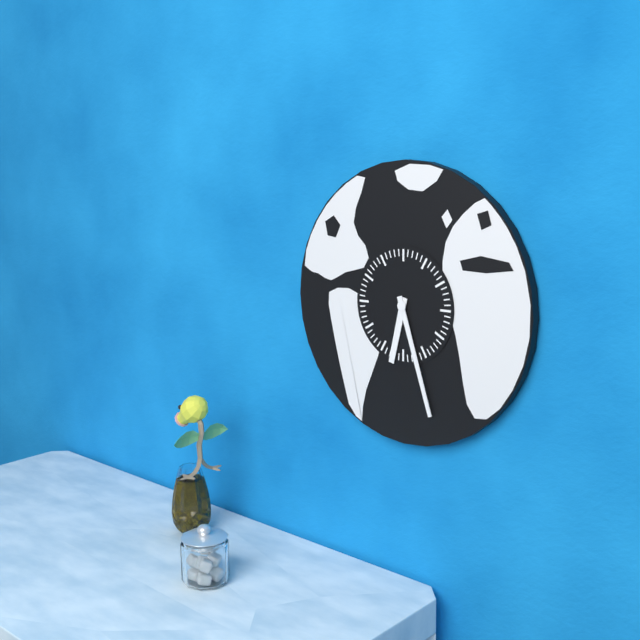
6h27
